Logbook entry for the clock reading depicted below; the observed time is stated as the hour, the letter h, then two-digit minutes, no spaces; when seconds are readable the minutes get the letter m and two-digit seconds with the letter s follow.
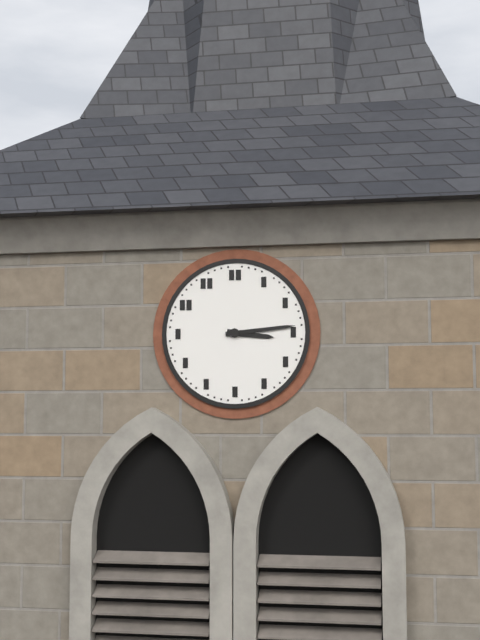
3h14
